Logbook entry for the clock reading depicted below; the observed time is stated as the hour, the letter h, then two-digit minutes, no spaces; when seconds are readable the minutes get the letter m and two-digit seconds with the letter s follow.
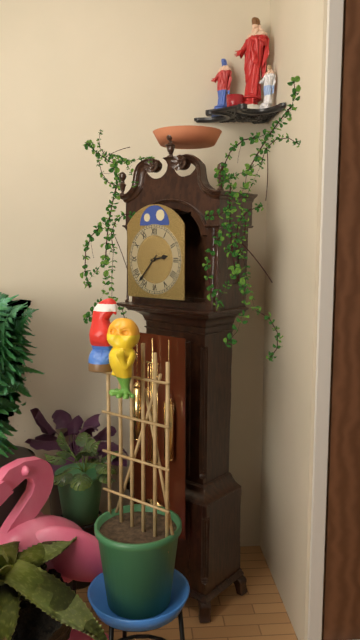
2h37
